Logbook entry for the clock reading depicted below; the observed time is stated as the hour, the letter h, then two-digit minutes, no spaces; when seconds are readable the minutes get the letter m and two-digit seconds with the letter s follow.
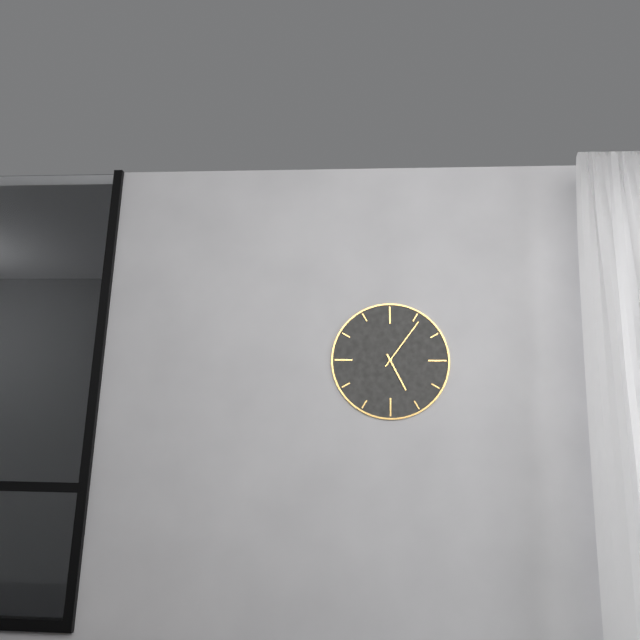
5h06
